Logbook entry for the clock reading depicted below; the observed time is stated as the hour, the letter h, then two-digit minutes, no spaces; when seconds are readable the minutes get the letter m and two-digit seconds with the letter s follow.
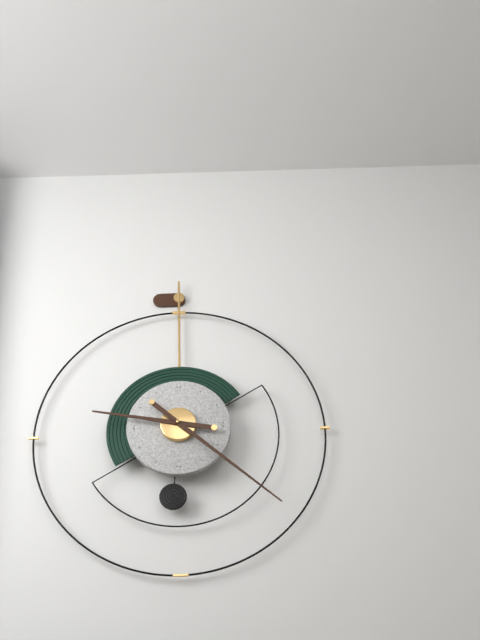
9h22
